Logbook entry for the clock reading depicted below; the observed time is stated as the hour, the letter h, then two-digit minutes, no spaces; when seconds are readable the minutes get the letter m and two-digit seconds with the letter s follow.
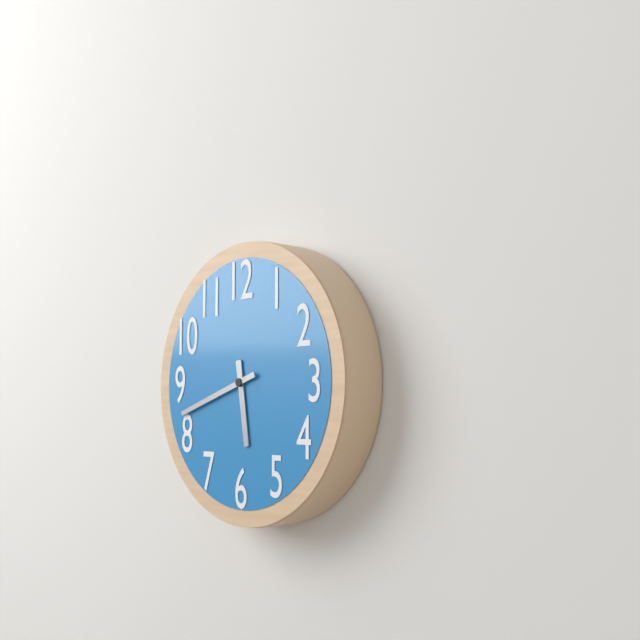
5h42
